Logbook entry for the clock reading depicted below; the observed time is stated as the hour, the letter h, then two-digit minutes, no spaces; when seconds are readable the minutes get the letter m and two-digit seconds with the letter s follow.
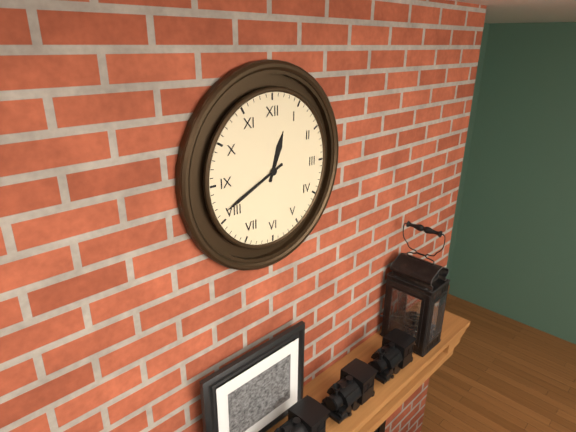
12h41
